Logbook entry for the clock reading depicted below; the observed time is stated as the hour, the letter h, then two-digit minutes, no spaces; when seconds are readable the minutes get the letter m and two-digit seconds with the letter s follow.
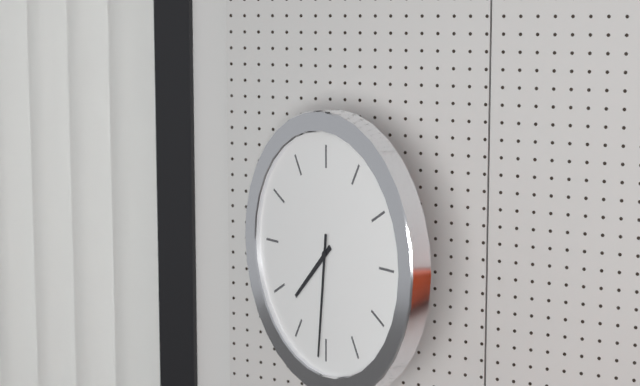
7h31
